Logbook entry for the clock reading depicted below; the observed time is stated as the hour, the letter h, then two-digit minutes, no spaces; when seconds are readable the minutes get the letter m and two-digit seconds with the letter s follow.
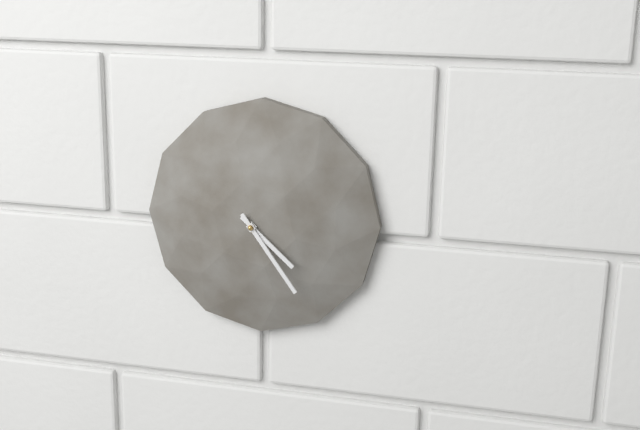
4h24
